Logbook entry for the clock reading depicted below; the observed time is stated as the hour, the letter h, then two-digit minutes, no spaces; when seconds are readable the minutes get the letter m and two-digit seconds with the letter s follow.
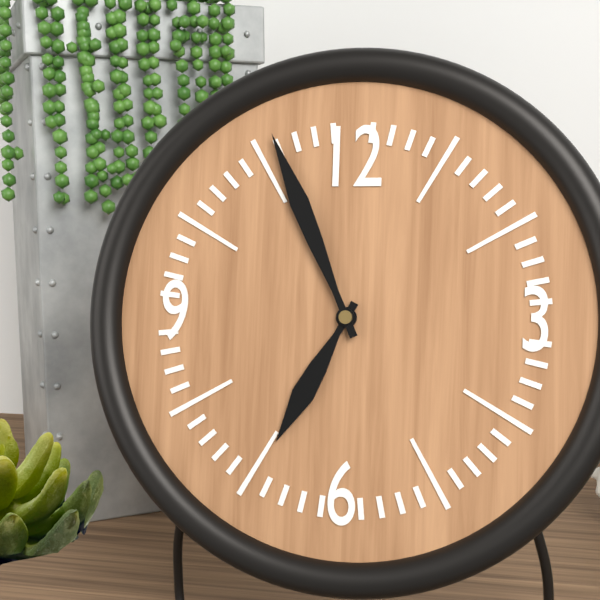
6h56
